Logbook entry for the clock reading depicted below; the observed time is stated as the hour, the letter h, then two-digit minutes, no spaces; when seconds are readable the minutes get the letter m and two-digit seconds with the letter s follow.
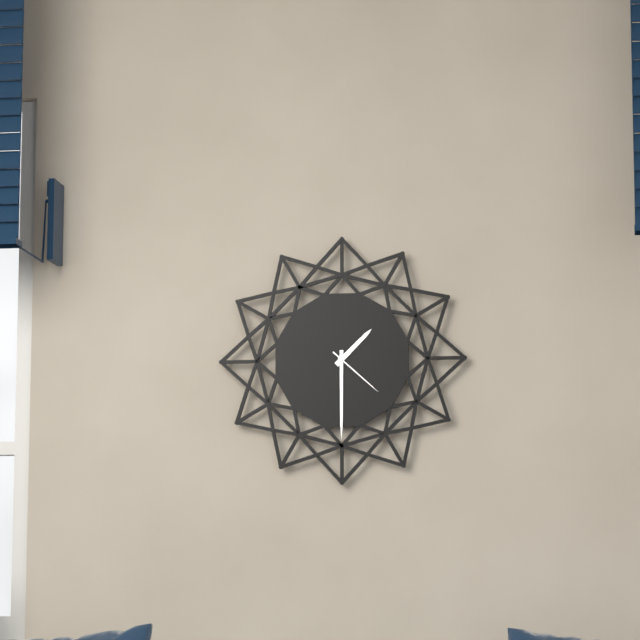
1h30m22s
